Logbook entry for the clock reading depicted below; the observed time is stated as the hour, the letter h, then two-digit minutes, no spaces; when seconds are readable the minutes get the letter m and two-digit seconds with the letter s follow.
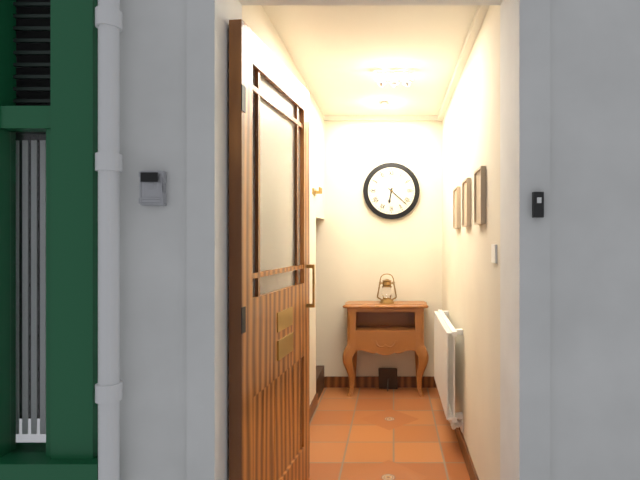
6h22
